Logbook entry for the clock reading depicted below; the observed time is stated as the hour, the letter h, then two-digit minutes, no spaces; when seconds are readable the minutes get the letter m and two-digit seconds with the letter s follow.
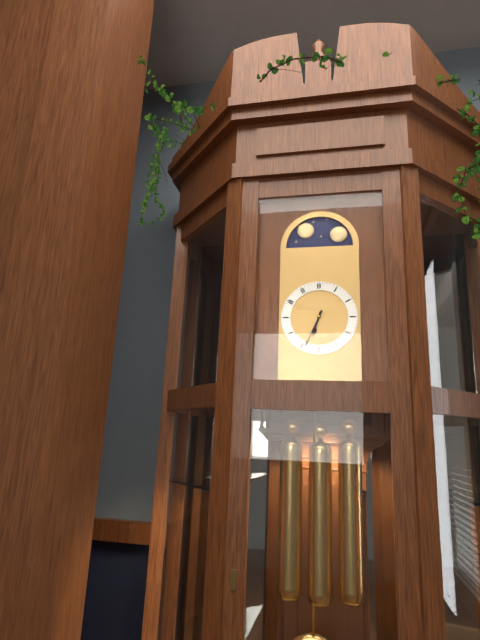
6h34
